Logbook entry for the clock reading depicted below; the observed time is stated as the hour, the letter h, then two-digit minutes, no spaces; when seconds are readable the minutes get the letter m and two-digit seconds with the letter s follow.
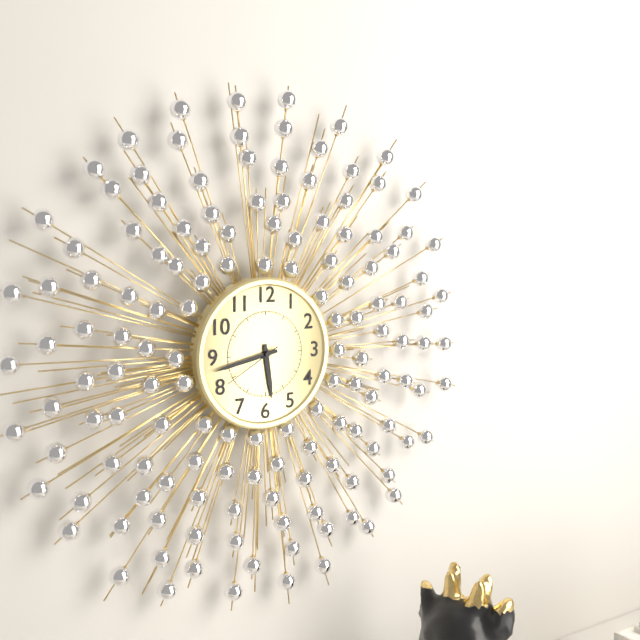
5h43m40s
